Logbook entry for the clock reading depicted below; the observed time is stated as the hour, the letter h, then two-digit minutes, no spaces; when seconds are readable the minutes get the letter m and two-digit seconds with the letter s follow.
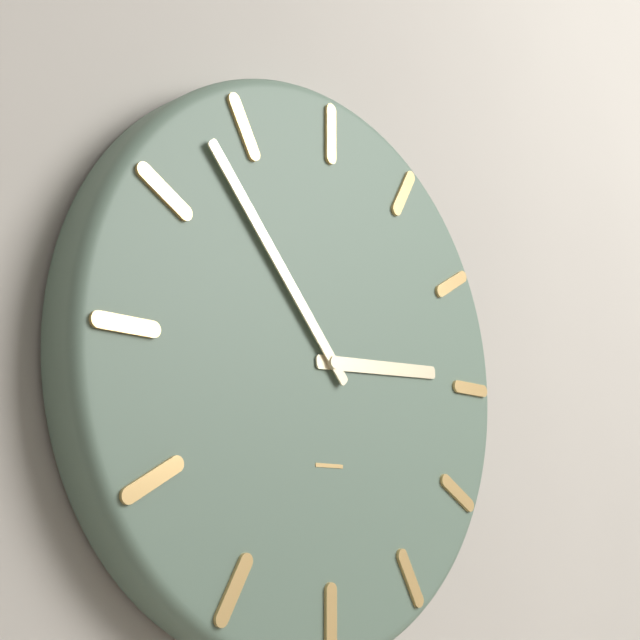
2h53
